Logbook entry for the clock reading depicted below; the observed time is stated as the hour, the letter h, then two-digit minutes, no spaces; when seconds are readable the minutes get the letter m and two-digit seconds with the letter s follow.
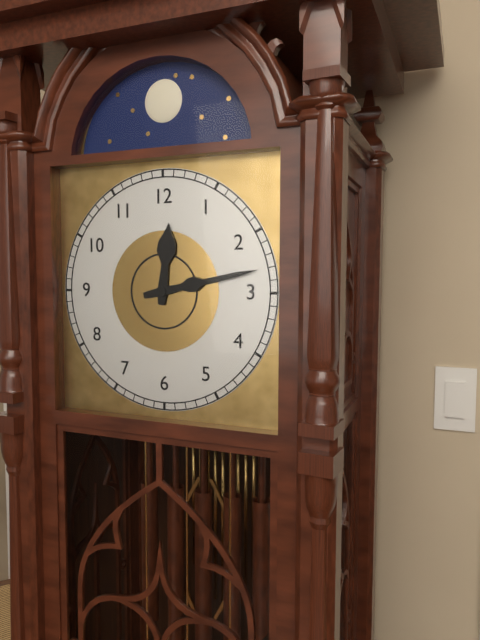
12h13
